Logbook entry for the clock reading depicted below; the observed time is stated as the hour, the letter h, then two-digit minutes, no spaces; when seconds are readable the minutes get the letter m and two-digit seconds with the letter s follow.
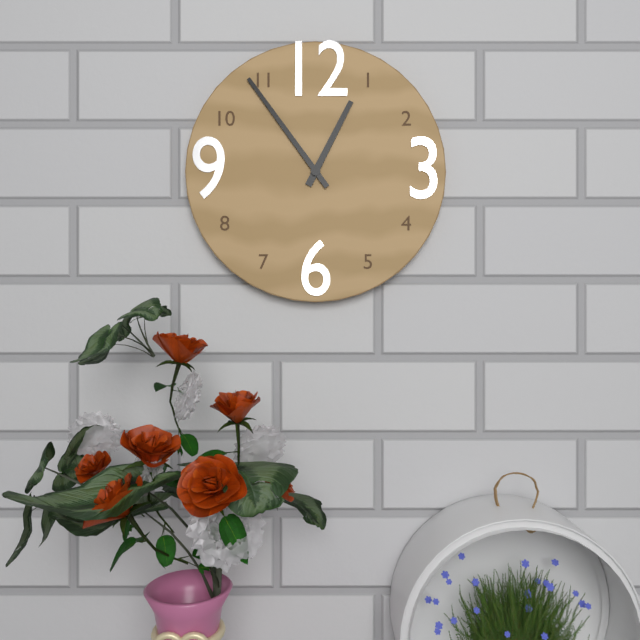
12h54
